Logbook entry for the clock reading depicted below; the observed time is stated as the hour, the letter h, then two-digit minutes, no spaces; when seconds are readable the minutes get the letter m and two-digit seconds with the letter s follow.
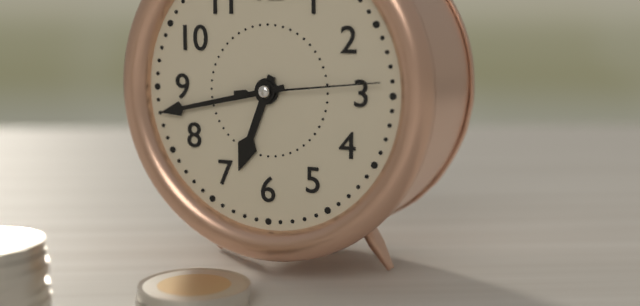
6h43m14s
